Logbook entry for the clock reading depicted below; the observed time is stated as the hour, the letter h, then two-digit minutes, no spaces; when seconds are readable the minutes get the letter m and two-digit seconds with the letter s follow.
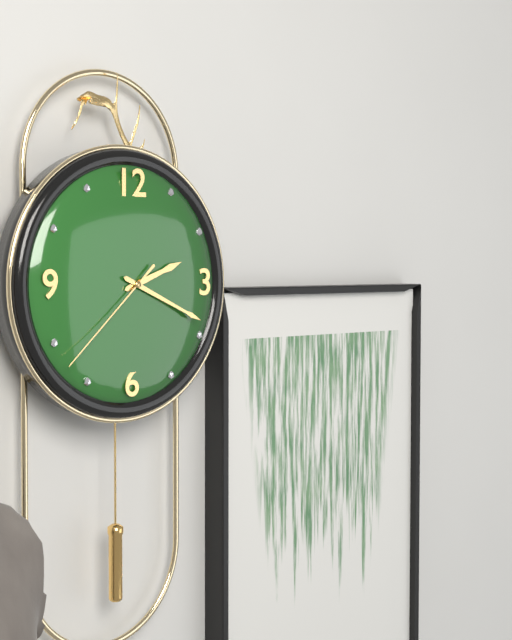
2h19m38s
